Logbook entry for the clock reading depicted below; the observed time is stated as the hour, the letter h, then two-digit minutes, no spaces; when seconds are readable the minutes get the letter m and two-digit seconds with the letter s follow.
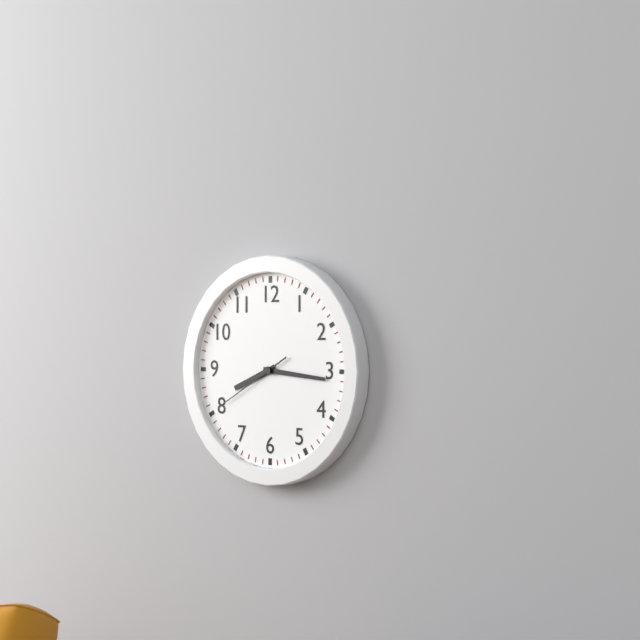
8h16m40s
